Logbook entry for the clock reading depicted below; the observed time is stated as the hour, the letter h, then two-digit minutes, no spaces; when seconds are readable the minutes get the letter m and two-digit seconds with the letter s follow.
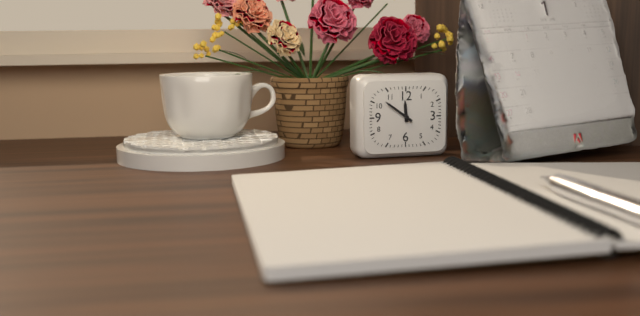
11h51
